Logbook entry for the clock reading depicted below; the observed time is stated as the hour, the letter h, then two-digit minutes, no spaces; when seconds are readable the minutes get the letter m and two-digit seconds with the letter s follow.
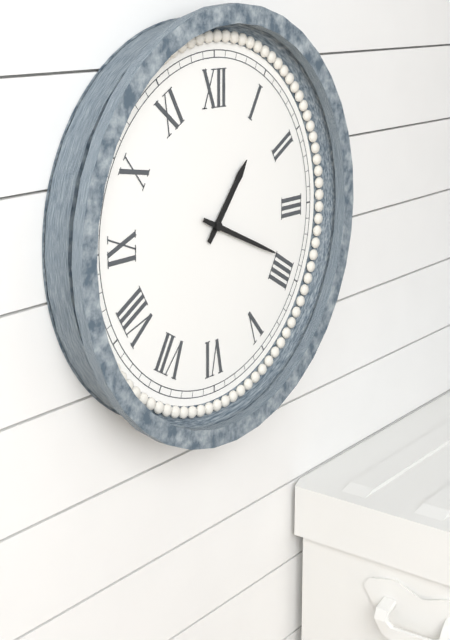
1h19
